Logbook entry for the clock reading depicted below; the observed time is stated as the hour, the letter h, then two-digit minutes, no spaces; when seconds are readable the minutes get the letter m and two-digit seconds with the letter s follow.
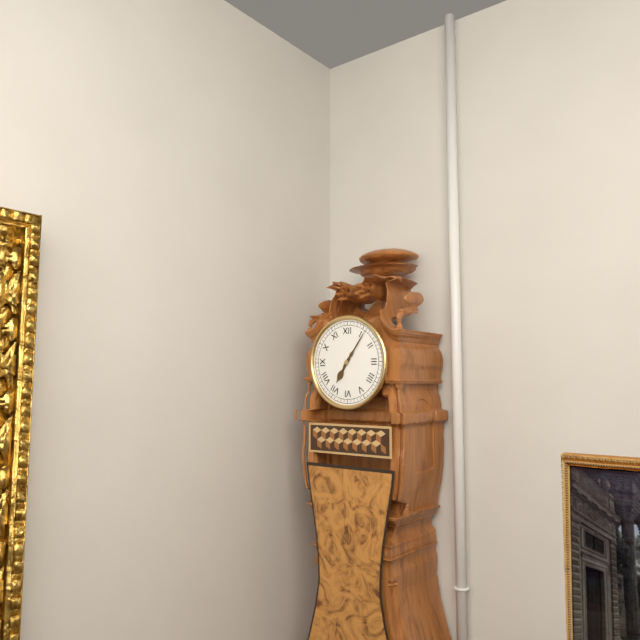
7h06
